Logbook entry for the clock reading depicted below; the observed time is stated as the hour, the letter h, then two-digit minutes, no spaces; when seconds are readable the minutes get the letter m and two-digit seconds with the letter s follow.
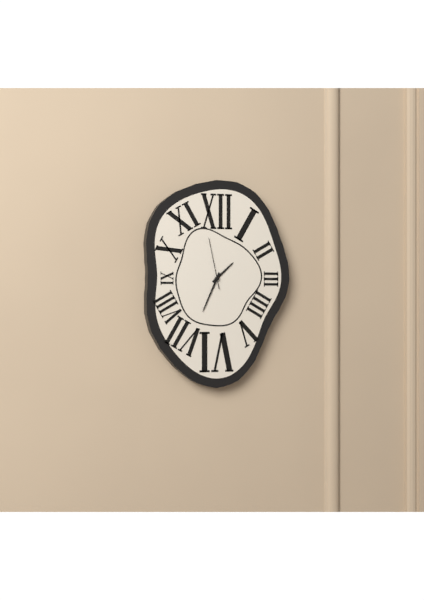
1h34m58s
